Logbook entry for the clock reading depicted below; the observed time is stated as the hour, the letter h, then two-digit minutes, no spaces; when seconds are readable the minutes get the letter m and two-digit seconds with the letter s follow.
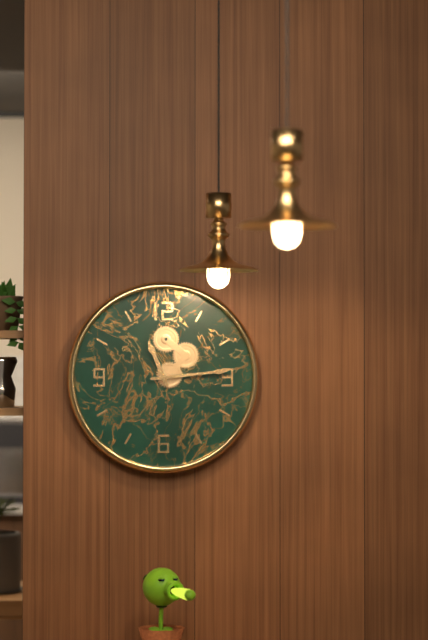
11h14
